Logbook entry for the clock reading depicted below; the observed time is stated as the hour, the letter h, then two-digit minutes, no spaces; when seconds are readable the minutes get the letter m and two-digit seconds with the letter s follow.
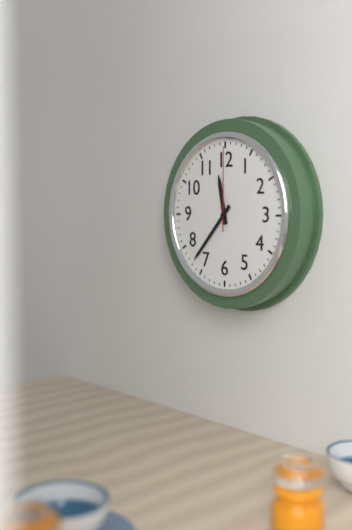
11h37m00s
